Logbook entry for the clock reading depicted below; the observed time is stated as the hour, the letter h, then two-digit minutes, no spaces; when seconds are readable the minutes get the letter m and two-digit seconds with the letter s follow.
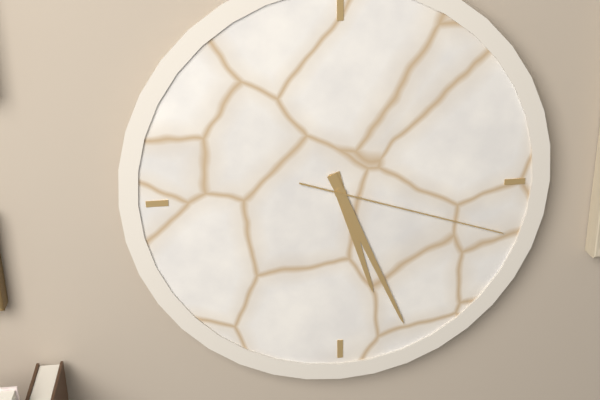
5h26m18s
